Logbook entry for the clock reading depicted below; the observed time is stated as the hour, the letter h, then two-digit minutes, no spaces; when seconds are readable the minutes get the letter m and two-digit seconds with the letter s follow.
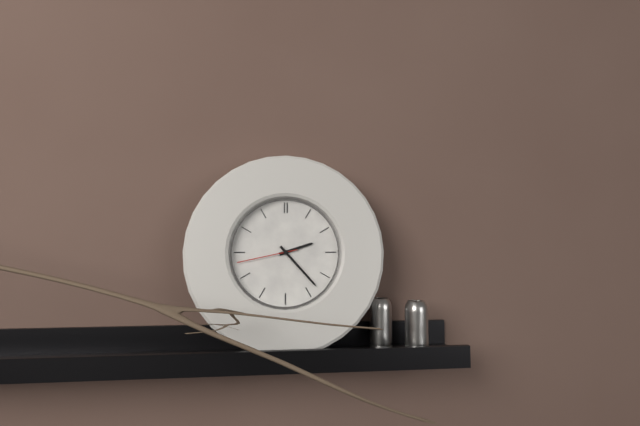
2h23m43s
